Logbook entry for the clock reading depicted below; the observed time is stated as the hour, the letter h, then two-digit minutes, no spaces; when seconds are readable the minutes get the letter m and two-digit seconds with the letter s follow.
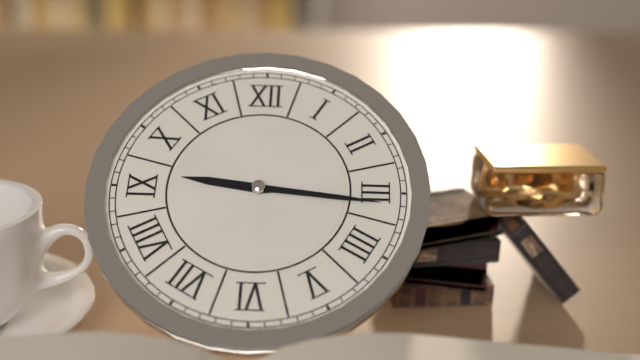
9h16
